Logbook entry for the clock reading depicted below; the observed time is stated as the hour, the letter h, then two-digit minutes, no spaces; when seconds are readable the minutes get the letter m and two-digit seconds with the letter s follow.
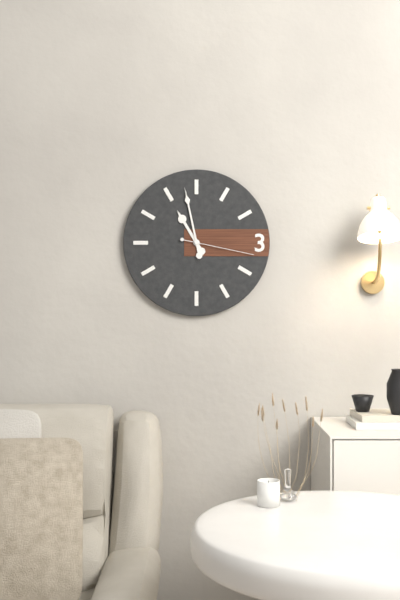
10h58m17s
